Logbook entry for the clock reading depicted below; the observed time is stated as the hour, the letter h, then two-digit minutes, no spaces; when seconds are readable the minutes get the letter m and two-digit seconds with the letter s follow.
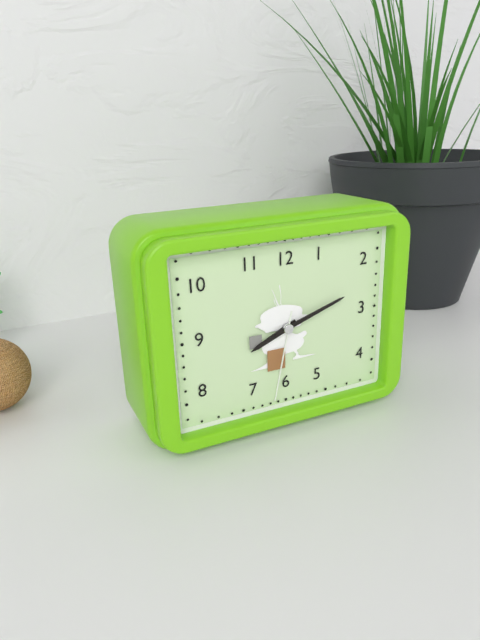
8h12m32s
